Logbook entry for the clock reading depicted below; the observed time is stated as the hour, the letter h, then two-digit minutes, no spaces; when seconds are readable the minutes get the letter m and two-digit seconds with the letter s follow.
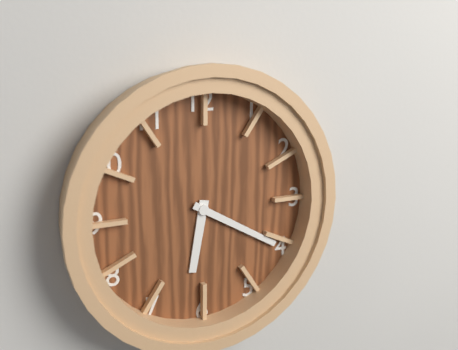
6h20
